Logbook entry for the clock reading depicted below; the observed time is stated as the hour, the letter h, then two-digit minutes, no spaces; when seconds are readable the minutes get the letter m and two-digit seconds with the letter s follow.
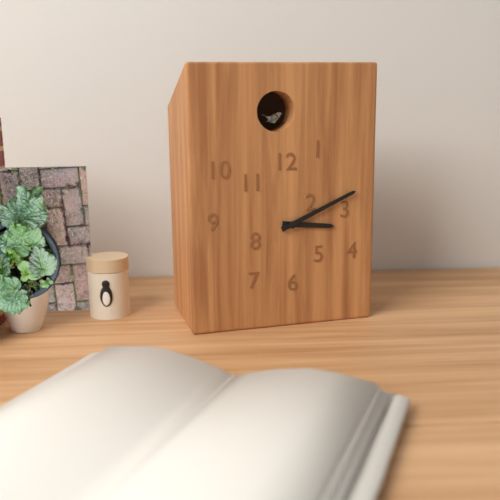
3h11
